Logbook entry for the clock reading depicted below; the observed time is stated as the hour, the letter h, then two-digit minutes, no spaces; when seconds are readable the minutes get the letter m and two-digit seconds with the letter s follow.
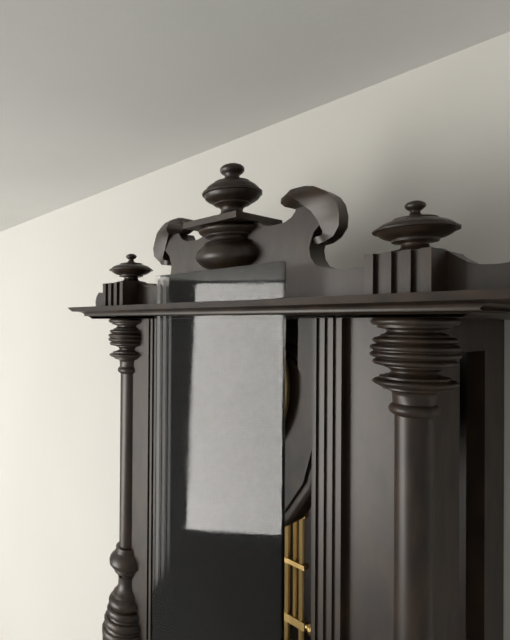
11h19
